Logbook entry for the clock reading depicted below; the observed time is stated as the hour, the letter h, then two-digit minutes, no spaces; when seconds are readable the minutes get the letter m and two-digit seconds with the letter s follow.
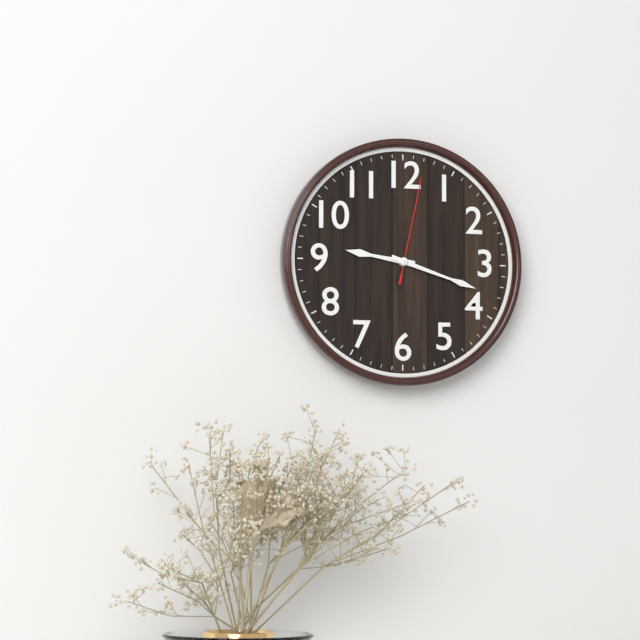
9h18m02s
